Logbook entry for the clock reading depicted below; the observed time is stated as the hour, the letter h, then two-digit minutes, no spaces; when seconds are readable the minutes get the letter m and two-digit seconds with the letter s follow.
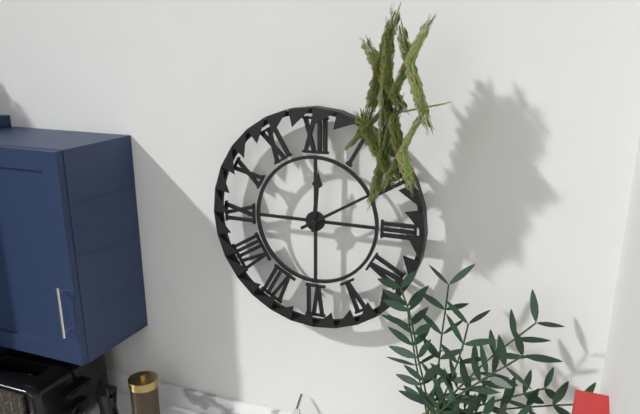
12h10
